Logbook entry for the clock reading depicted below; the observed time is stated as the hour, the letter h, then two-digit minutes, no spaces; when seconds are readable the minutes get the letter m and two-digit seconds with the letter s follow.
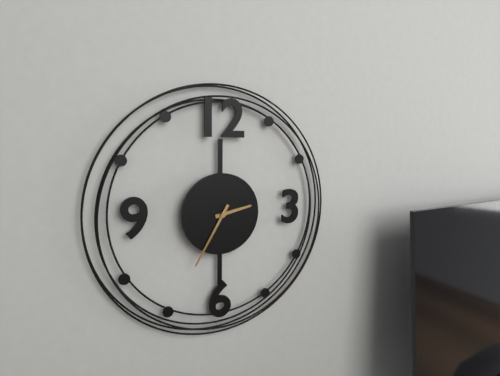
2h35
